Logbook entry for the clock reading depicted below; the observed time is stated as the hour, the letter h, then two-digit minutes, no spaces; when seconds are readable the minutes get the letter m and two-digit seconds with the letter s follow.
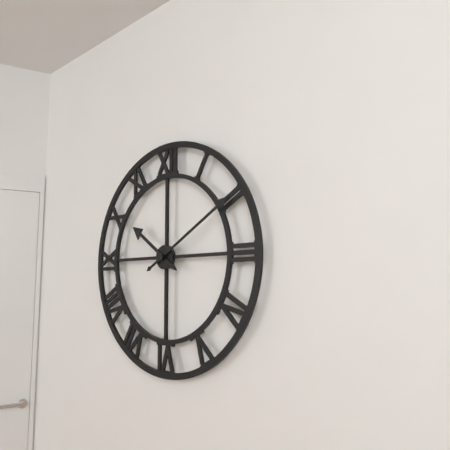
10h10
